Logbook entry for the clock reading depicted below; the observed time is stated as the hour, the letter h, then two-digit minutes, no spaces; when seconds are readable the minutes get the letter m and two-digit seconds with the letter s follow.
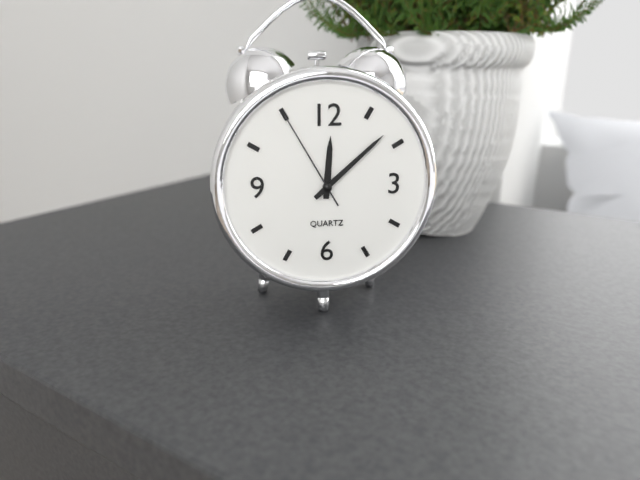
12h08m55s
